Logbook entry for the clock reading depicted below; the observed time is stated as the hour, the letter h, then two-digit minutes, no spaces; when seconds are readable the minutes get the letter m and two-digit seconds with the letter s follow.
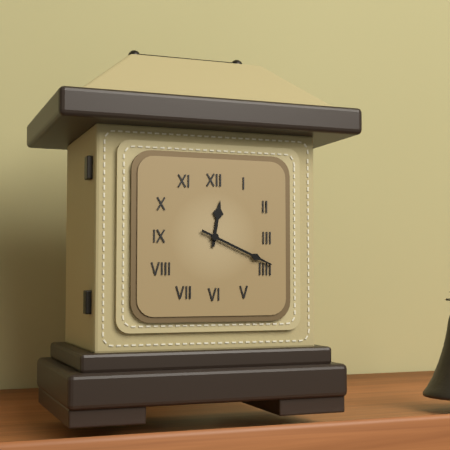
12h19
